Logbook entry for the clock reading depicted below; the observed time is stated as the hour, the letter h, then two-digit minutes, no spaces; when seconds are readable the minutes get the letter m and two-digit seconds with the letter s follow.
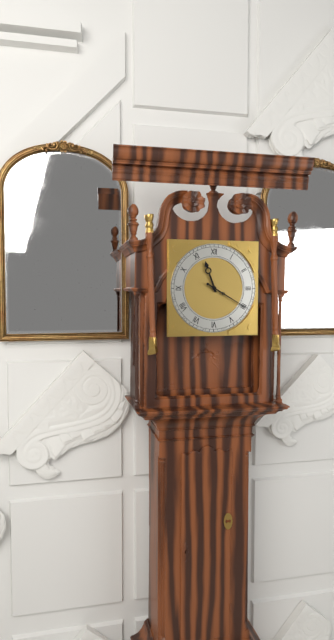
11h20
